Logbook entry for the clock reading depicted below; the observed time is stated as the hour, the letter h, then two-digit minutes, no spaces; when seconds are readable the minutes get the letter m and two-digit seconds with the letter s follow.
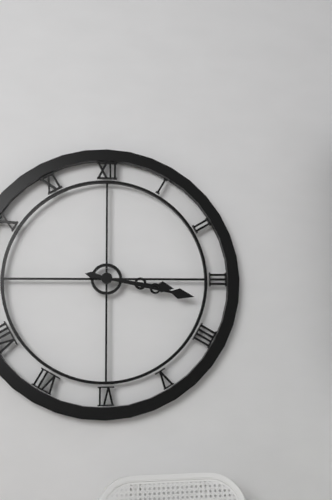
3h17
